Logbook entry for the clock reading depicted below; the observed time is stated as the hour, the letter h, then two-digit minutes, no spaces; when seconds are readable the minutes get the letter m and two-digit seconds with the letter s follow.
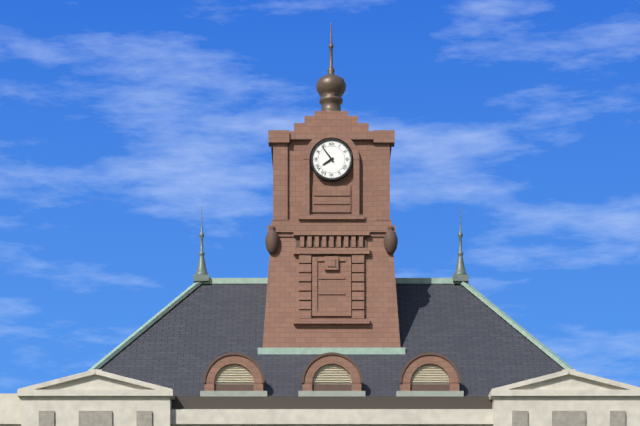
7h54
